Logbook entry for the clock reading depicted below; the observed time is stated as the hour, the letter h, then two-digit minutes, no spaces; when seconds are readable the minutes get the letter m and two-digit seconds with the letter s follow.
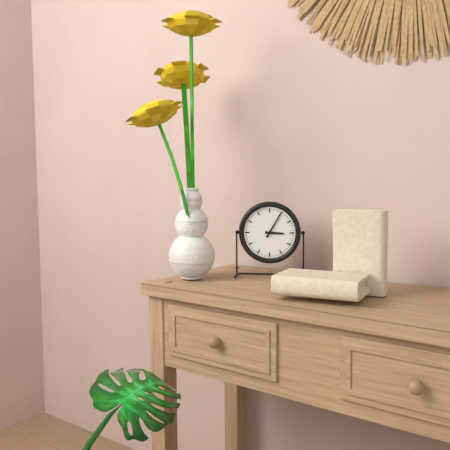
3h05
